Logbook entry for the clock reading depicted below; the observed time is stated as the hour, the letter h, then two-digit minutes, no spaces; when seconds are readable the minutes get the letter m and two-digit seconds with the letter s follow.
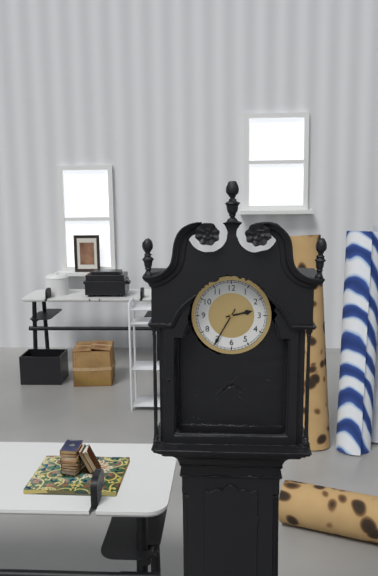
2h35
